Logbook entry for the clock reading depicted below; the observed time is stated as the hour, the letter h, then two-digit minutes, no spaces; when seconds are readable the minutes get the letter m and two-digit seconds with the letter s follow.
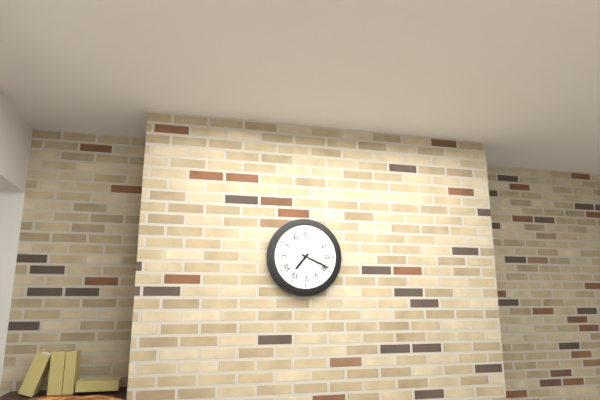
7h19
